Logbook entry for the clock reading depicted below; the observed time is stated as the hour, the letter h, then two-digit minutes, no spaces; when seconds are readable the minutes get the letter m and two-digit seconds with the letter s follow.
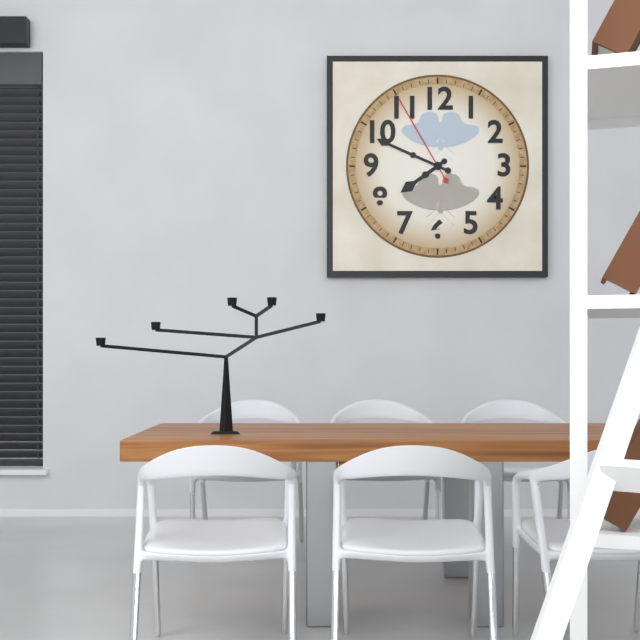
7h49m55s
